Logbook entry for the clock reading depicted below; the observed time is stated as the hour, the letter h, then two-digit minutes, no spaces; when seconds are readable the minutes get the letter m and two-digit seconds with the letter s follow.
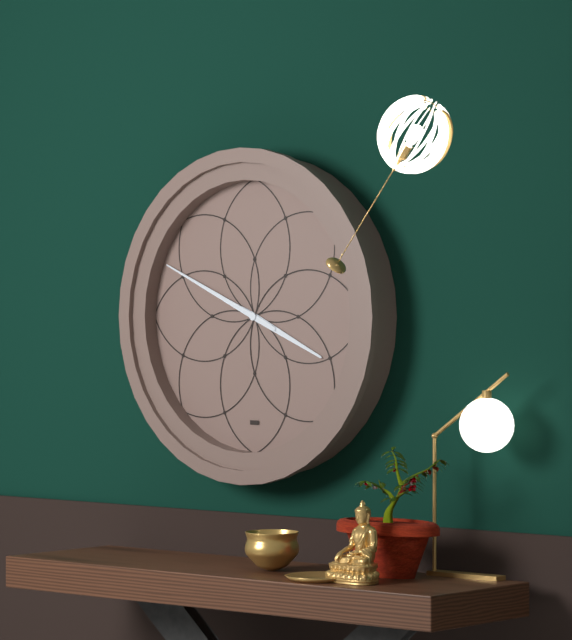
3h49
